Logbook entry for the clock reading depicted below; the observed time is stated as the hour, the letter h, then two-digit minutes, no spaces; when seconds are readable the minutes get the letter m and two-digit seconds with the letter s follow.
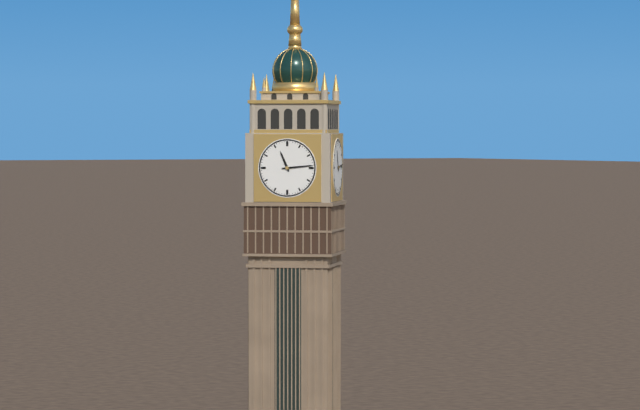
11h14
